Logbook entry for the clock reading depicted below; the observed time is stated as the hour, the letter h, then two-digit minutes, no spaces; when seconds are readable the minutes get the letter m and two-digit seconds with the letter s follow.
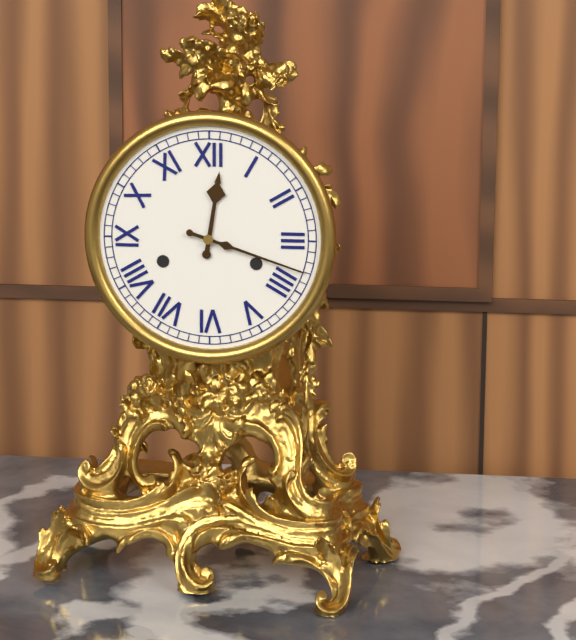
12h18
